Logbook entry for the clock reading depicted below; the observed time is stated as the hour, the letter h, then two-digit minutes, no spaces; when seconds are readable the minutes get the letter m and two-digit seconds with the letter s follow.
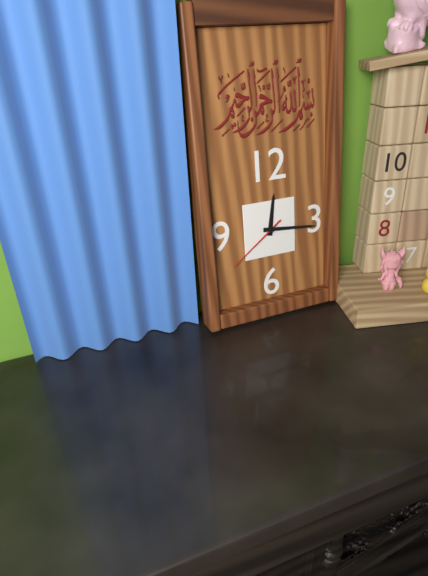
12h16m39s
